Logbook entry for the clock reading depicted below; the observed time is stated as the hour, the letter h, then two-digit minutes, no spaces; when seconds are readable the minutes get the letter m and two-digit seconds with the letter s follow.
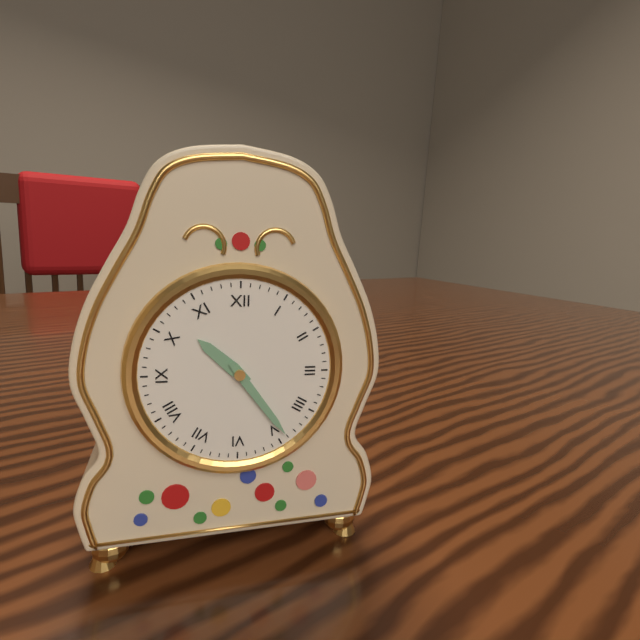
10h24
